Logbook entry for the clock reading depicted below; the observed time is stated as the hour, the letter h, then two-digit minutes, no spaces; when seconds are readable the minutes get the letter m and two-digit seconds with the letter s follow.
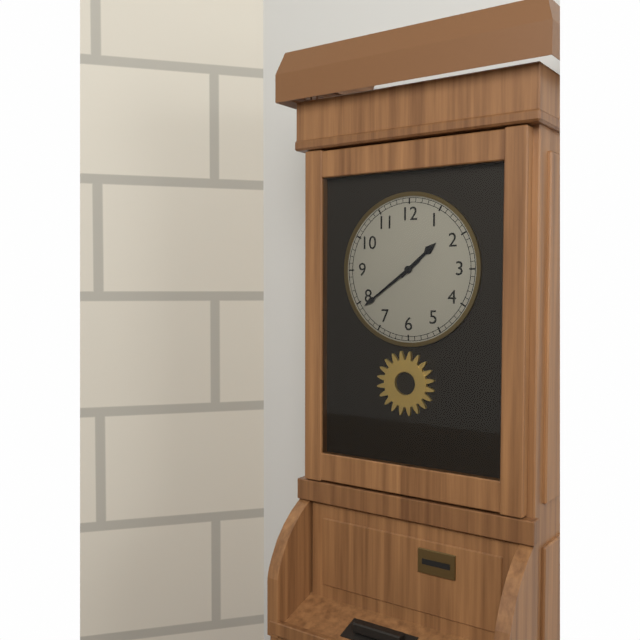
1h39
